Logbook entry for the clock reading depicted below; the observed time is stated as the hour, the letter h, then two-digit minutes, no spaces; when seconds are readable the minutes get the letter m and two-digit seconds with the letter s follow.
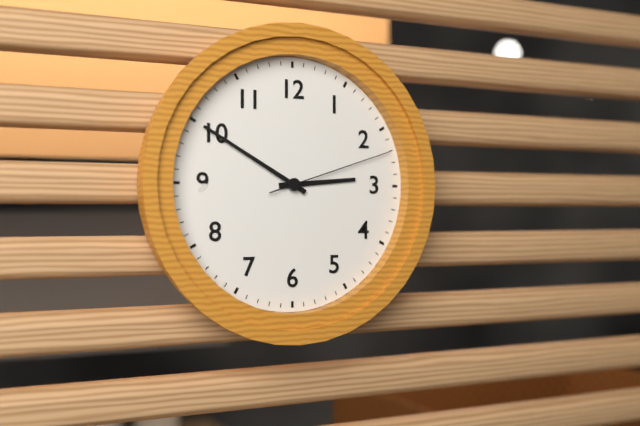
2h50m12s
